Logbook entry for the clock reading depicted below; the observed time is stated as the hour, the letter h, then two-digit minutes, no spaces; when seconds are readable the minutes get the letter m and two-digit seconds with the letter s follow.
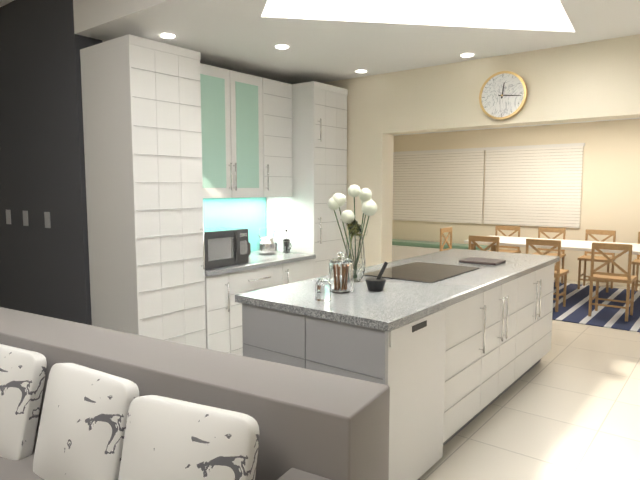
12h16
